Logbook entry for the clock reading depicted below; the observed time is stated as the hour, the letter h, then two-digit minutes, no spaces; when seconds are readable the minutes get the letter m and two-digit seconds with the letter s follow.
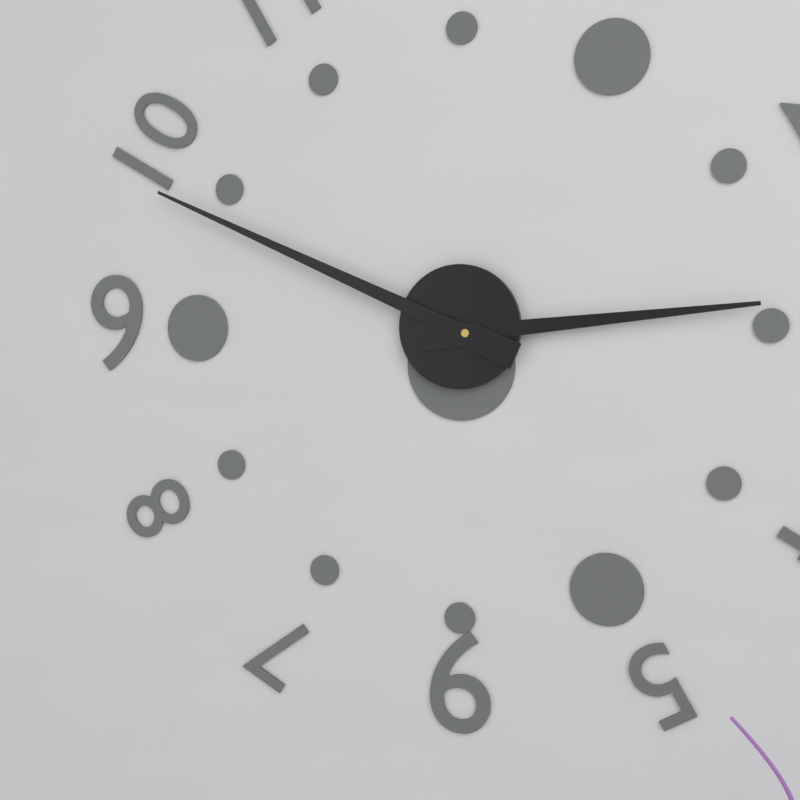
2h49
